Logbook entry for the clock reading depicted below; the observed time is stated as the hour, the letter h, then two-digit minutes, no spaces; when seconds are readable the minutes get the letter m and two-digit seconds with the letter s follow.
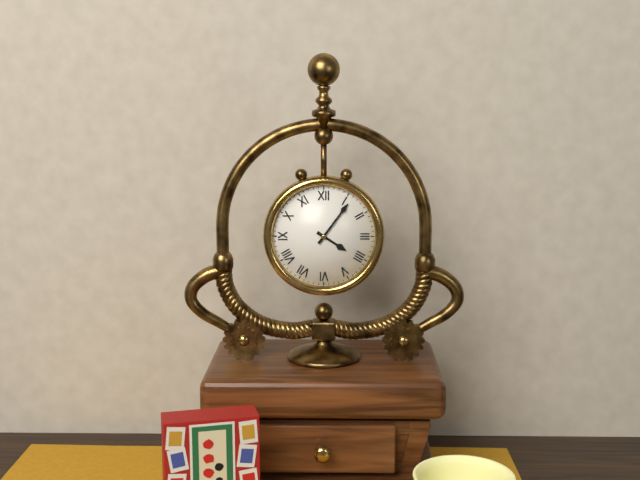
4h06
